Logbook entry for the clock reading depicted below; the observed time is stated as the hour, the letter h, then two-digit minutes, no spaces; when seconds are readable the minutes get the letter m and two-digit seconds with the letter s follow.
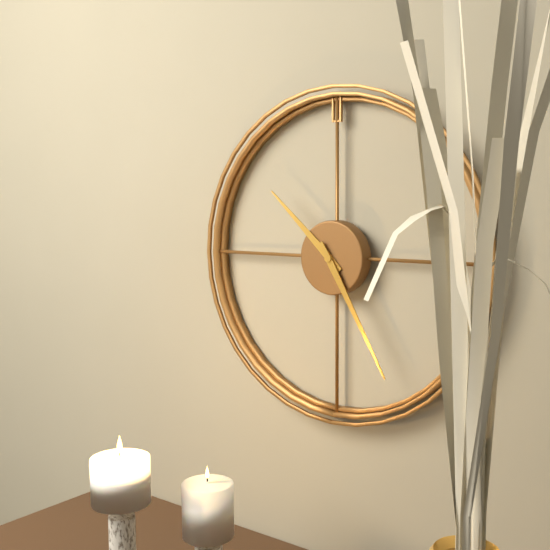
10h25
